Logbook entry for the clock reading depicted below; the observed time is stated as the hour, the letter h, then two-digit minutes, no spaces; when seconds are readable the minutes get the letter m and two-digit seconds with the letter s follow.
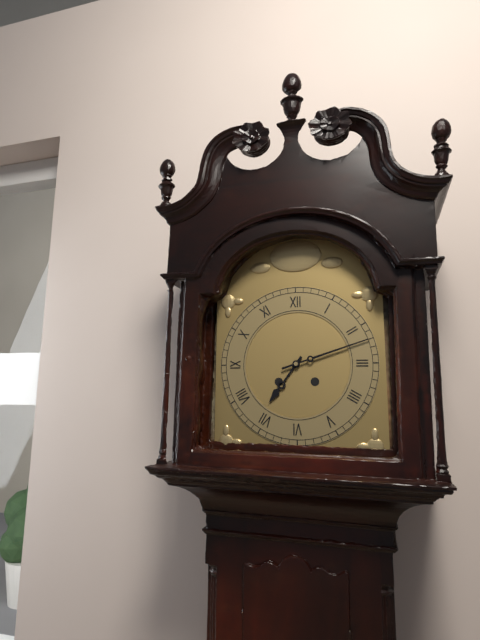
7h12
